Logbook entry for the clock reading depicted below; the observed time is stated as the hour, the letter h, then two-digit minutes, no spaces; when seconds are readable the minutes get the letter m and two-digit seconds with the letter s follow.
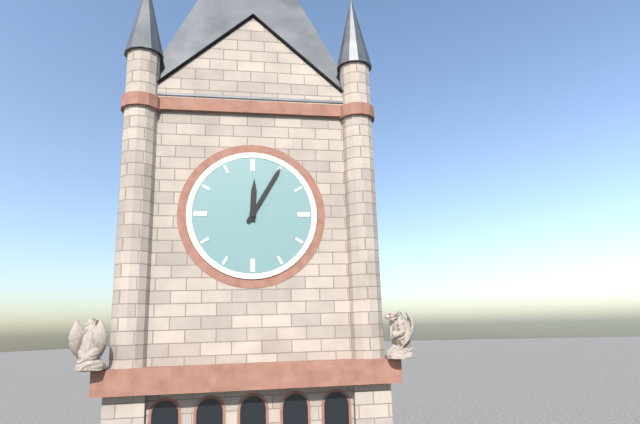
12h05
